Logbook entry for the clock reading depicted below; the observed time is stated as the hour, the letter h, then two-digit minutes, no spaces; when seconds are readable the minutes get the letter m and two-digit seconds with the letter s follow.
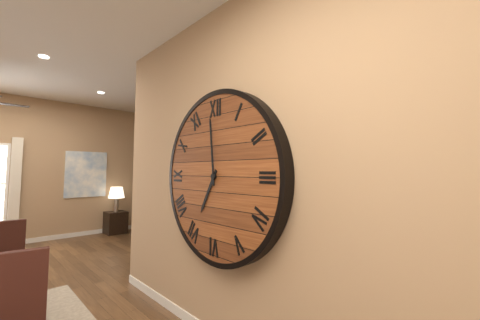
6h59
